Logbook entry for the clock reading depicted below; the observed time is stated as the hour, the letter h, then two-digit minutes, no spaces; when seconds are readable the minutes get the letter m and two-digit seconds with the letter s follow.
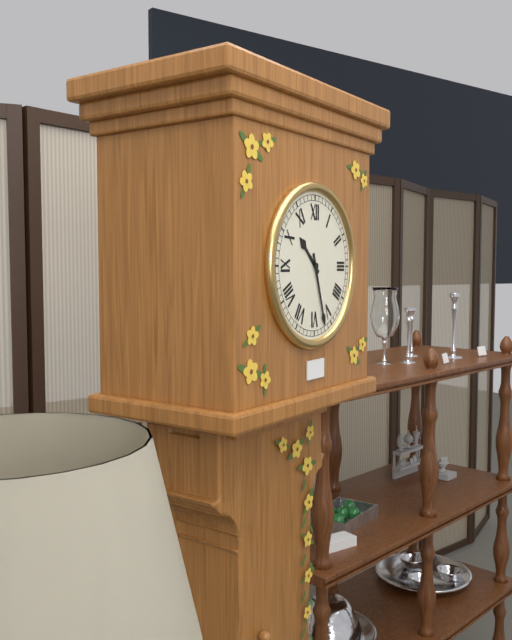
10h27
